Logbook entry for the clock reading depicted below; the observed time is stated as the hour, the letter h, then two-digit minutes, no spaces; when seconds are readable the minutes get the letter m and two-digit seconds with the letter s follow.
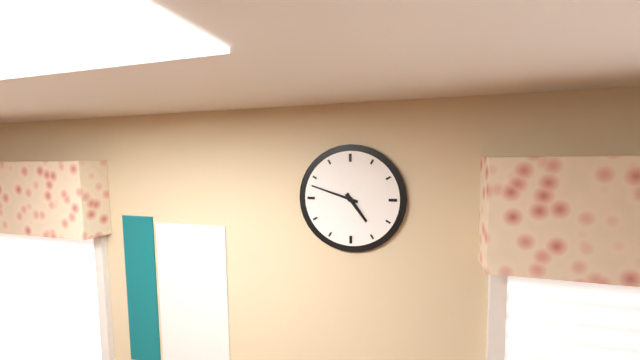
4h48
